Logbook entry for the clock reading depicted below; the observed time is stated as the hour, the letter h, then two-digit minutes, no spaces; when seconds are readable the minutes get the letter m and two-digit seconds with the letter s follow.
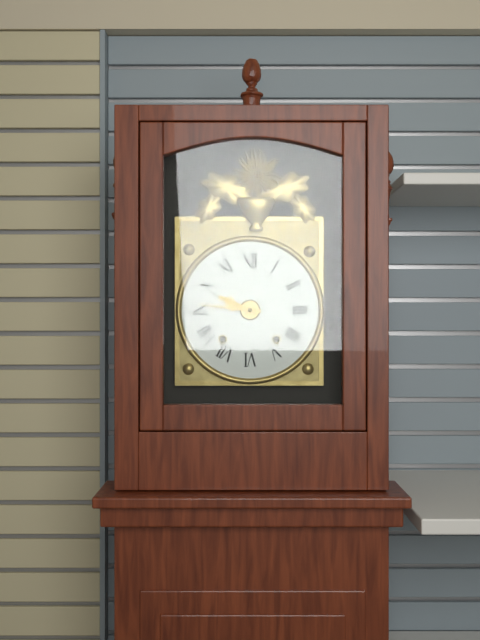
9h46
